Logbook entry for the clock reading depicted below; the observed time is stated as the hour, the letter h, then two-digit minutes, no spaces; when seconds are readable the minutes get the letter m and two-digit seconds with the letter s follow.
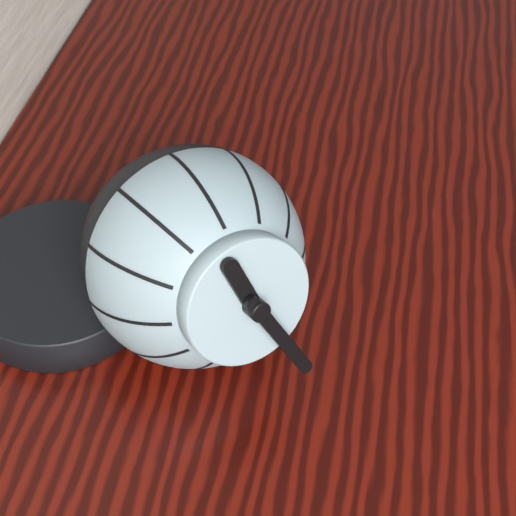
11h26
